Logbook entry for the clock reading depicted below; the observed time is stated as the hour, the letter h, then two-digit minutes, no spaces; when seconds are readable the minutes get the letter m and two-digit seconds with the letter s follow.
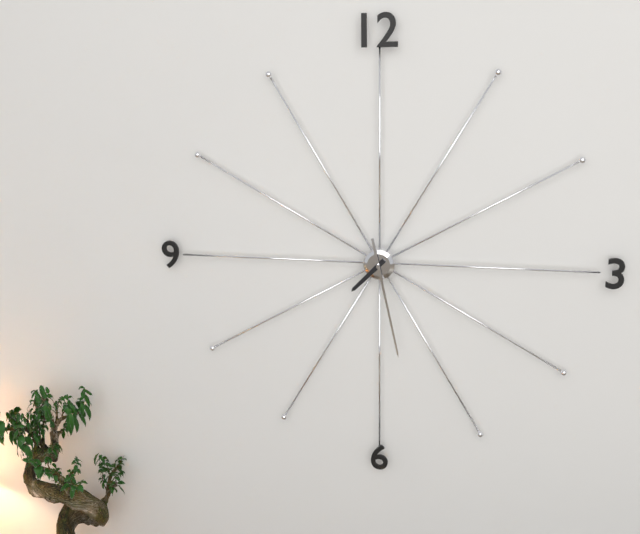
7h28
